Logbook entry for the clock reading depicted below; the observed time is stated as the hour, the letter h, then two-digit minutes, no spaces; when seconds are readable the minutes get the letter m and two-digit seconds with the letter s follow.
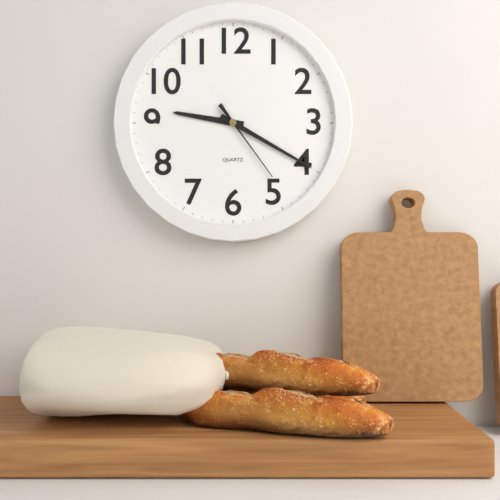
9h20m24s
